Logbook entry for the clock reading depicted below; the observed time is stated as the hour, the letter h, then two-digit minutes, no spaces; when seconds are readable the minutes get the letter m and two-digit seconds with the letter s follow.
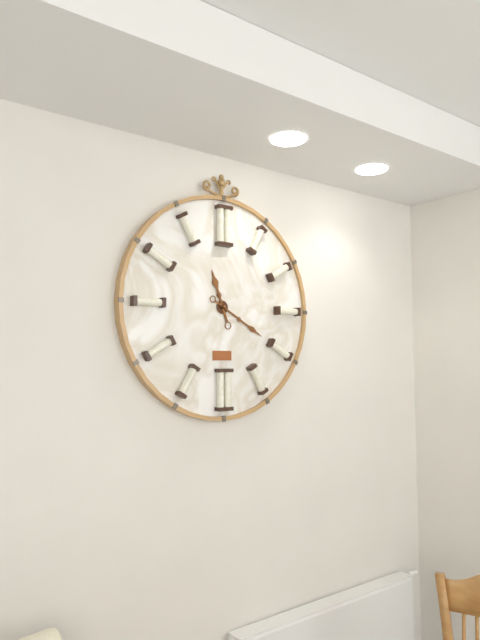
11h20
